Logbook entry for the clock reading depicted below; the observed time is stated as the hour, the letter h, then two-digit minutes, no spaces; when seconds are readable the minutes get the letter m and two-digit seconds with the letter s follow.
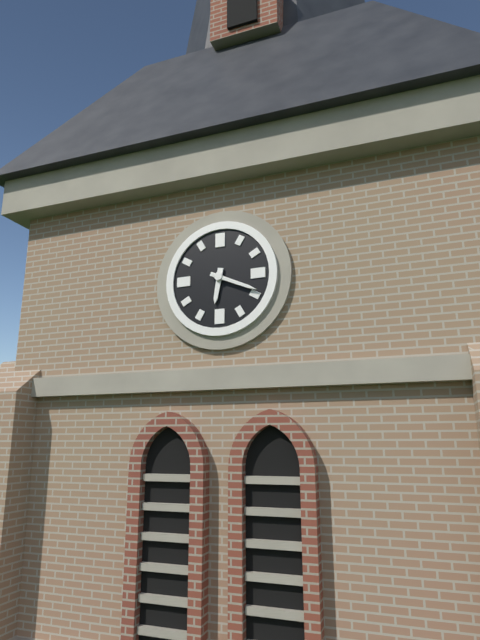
6h19
